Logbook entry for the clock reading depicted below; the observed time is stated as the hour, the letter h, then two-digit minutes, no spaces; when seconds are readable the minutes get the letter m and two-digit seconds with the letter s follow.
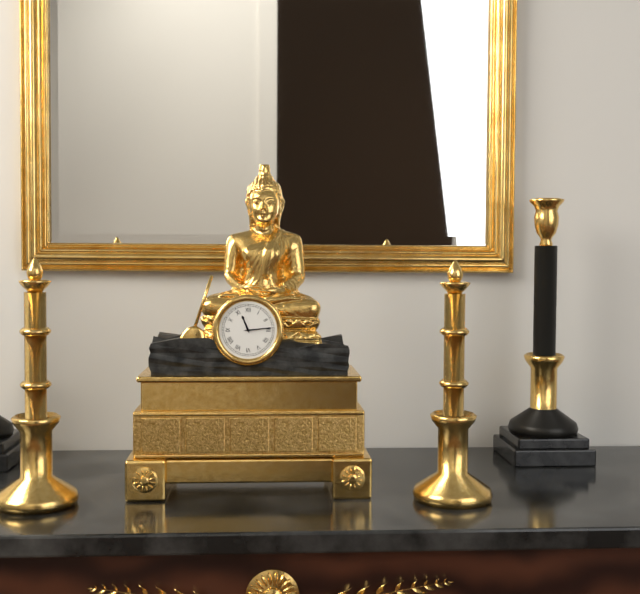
11h14
